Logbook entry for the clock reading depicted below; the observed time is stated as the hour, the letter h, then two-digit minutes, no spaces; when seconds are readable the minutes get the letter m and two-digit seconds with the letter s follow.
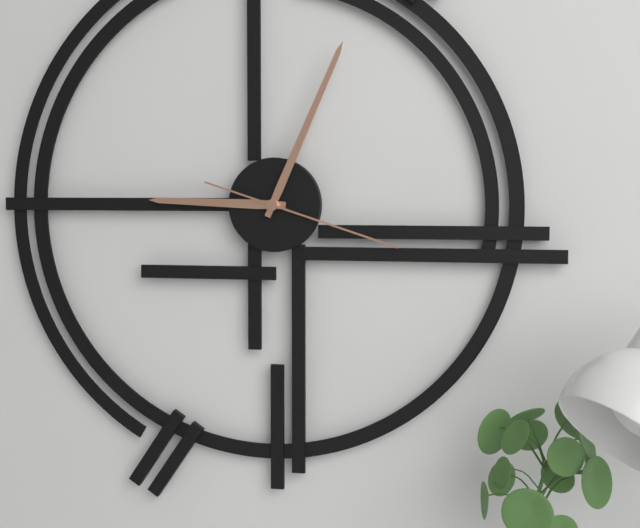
9h04m18s
